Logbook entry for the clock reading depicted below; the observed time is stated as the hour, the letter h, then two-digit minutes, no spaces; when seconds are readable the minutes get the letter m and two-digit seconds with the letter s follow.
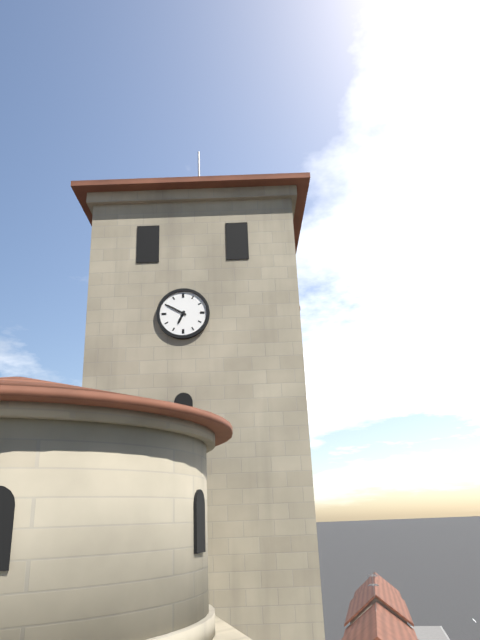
6h50
